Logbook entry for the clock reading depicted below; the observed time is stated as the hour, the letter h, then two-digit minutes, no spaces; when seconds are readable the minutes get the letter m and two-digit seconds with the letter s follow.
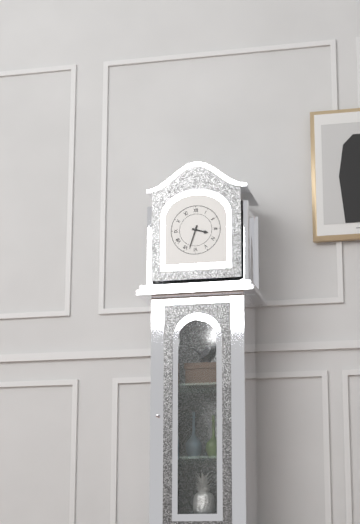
3h33
